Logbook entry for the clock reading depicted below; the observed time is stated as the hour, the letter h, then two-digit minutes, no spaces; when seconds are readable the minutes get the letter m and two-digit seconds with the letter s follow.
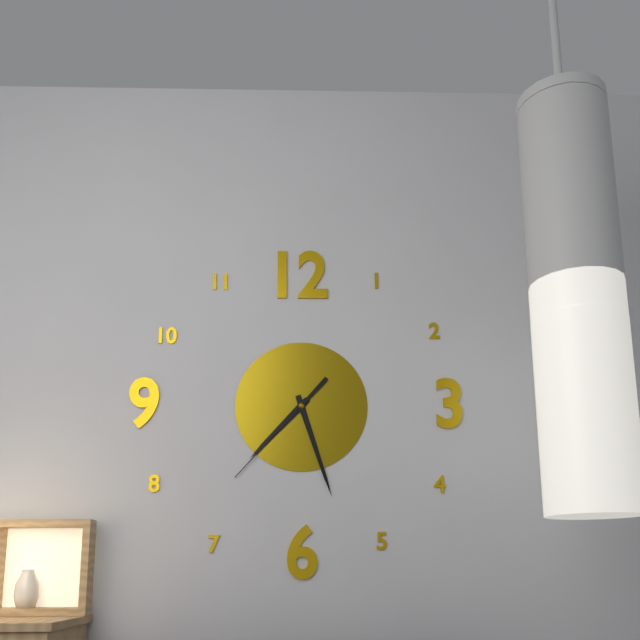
7h27m37s
